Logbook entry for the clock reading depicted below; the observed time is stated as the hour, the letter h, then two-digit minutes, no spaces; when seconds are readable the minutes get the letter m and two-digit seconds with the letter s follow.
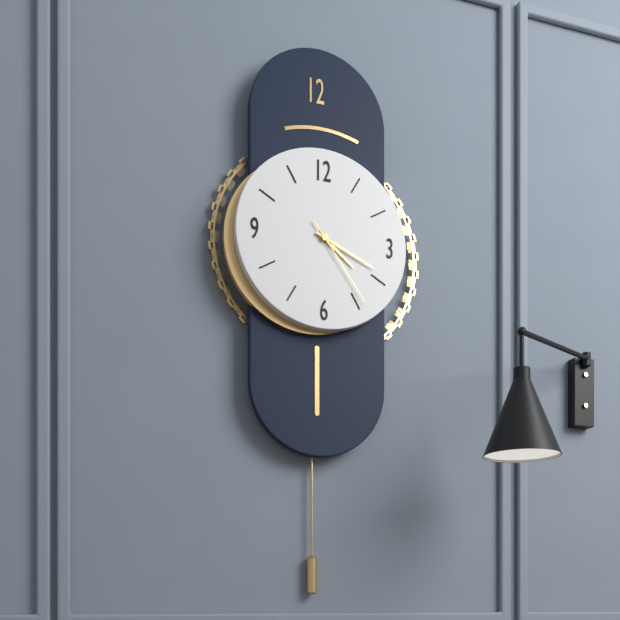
4h19m24s
